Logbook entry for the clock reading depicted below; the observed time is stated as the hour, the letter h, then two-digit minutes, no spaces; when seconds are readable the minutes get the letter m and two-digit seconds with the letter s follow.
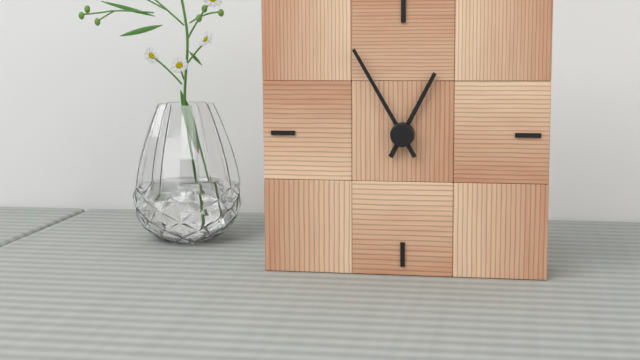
12h55
